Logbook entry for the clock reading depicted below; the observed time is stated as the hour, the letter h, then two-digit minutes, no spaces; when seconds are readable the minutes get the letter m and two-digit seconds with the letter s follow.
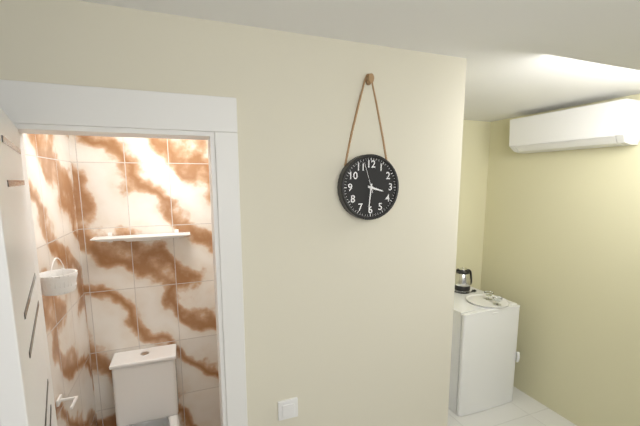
3h31
